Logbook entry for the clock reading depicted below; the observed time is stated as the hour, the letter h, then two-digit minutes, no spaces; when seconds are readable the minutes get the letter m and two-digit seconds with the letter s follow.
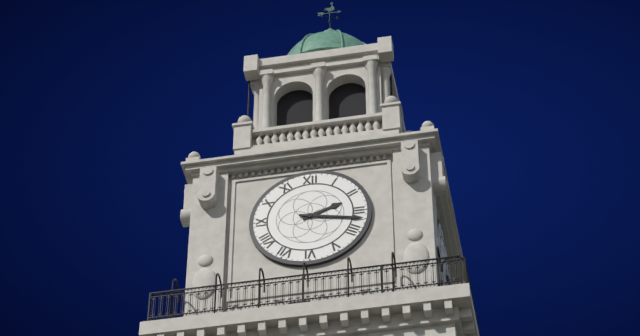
2h17
